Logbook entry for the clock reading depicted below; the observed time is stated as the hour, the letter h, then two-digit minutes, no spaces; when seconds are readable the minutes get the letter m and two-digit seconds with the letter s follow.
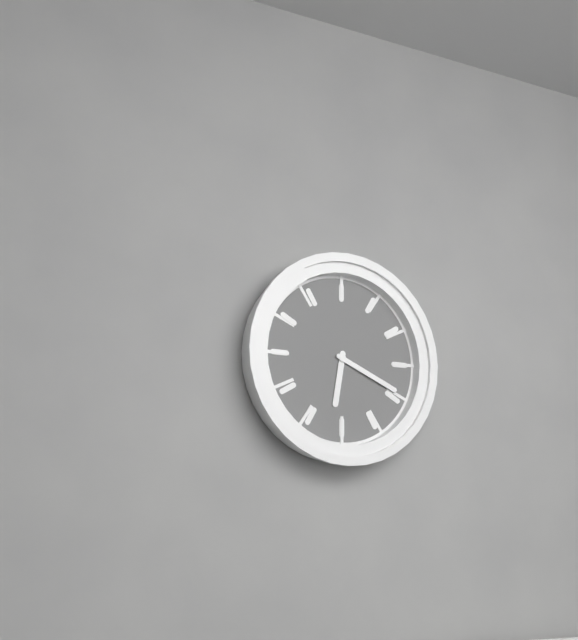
6h19
